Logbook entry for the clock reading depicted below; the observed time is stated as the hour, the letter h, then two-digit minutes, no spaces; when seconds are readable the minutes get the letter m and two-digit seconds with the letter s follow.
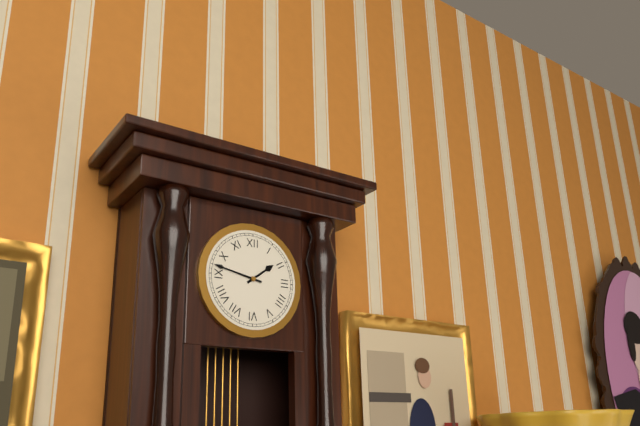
1h47
